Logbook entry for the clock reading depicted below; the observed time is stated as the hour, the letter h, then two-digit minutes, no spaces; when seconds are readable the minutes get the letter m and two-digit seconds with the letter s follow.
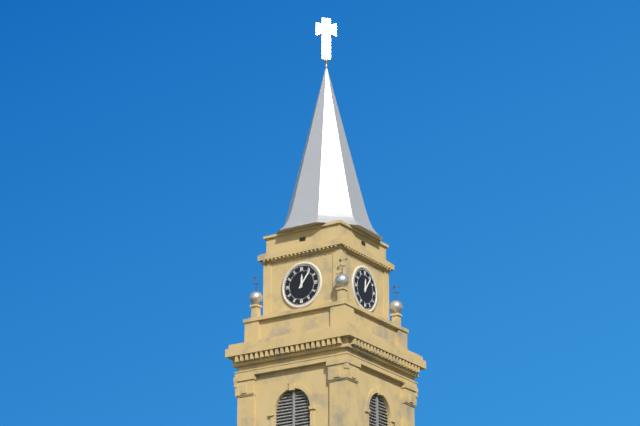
12h06
